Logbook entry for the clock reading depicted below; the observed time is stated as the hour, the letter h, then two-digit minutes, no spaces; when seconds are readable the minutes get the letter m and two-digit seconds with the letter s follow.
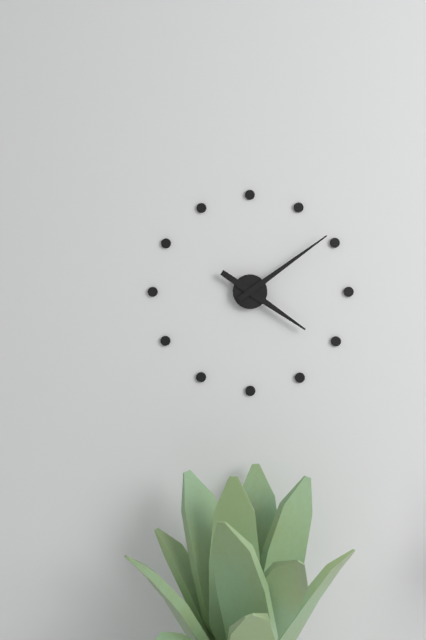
4h09
